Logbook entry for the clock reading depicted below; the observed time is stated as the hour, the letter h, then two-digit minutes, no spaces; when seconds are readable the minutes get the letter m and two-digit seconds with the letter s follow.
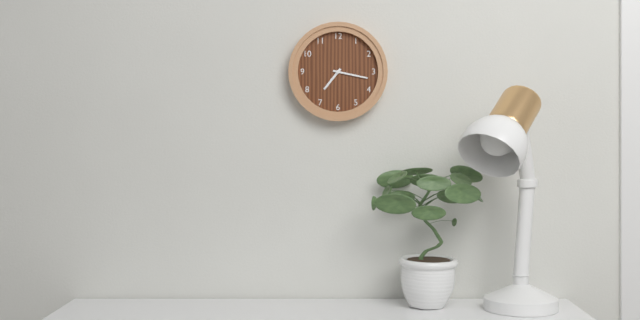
7h17
